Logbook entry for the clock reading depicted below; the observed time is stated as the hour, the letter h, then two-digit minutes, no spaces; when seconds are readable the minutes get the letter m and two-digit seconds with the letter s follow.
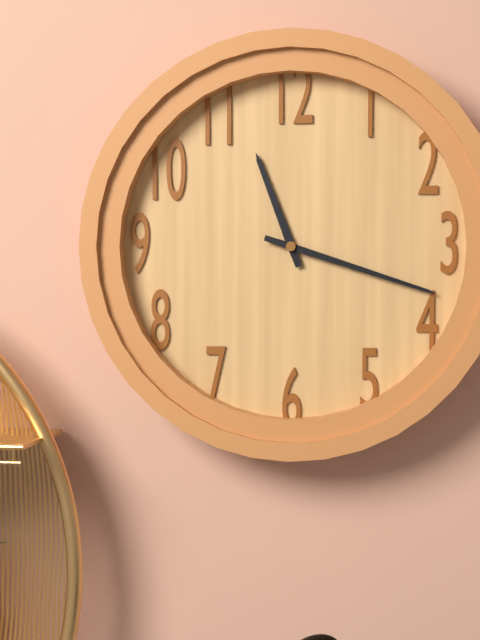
11h18
